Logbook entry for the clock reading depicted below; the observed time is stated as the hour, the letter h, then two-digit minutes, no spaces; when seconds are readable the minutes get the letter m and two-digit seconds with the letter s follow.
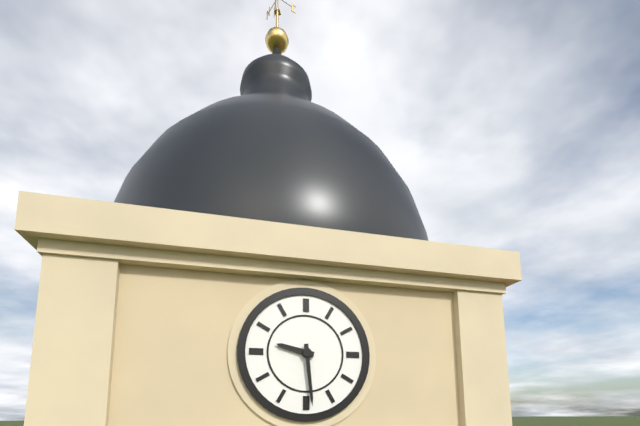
9h29
